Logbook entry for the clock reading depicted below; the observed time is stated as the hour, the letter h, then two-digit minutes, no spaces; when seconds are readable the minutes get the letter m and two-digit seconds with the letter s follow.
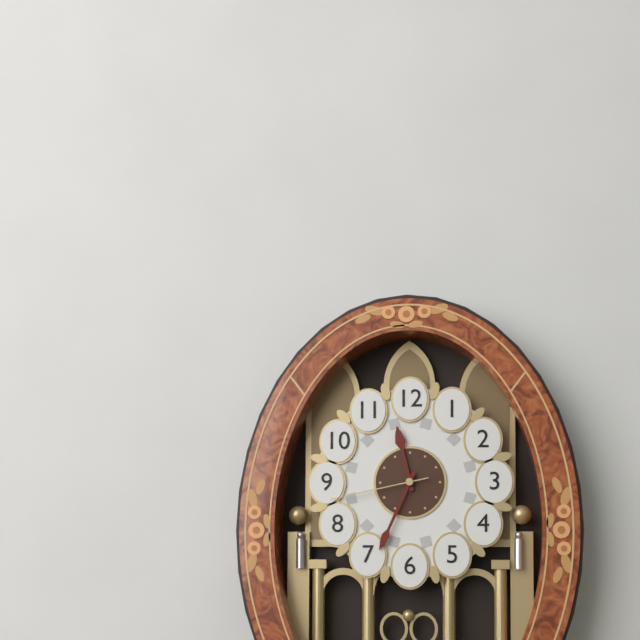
11h34m43s
